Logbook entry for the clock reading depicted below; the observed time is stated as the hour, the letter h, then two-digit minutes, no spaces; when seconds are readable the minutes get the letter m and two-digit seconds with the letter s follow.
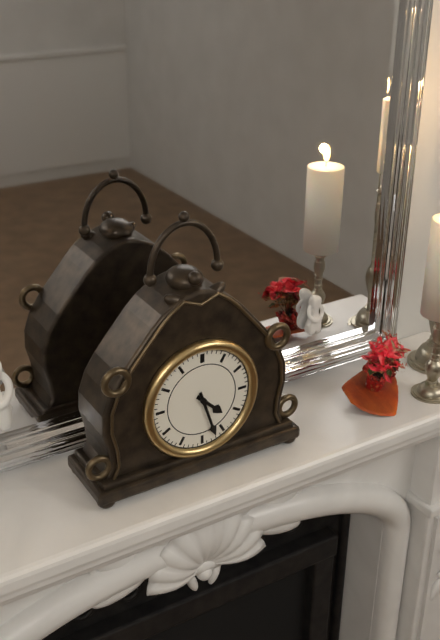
4h27
